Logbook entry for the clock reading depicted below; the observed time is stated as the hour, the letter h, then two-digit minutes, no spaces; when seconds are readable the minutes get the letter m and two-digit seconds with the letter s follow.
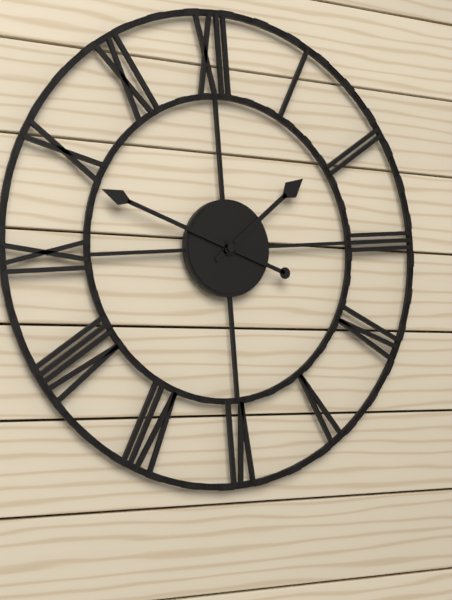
1h49
